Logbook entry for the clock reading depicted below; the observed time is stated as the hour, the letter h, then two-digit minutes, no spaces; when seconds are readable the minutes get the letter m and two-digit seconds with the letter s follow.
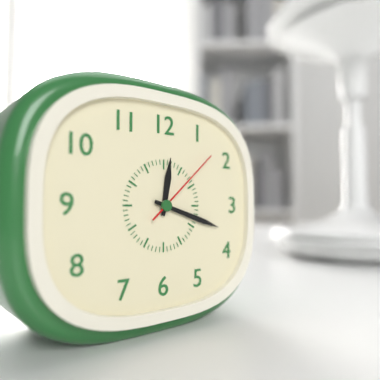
12h18m08s
